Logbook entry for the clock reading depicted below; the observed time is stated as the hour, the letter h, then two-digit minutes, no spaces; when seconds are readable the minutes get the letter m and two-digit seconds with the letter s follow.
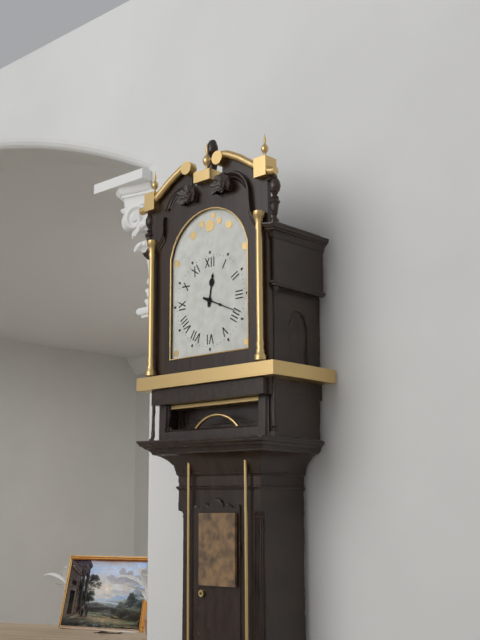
12h19
